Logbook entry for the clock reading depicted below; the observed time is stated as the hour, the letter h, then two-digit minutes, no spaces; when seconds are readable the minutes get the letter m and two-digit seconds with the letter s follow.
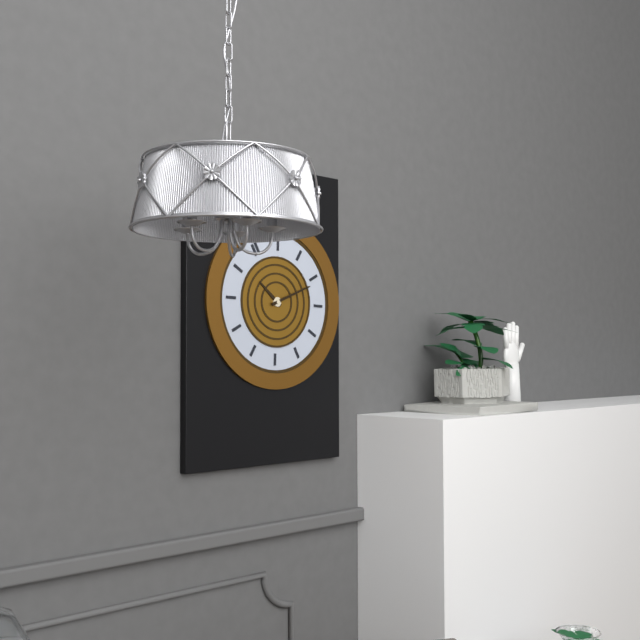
11h16
